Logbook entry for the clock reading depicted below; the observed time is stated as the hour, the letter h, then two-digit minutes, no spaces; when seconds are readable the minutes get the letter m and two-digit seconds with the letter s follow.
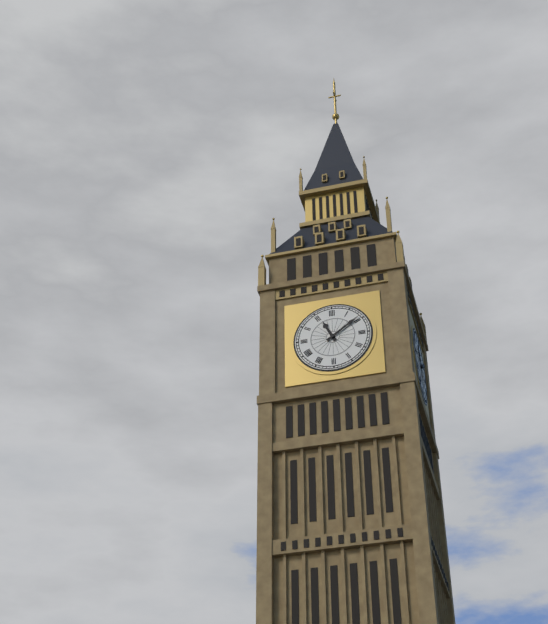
11h09
